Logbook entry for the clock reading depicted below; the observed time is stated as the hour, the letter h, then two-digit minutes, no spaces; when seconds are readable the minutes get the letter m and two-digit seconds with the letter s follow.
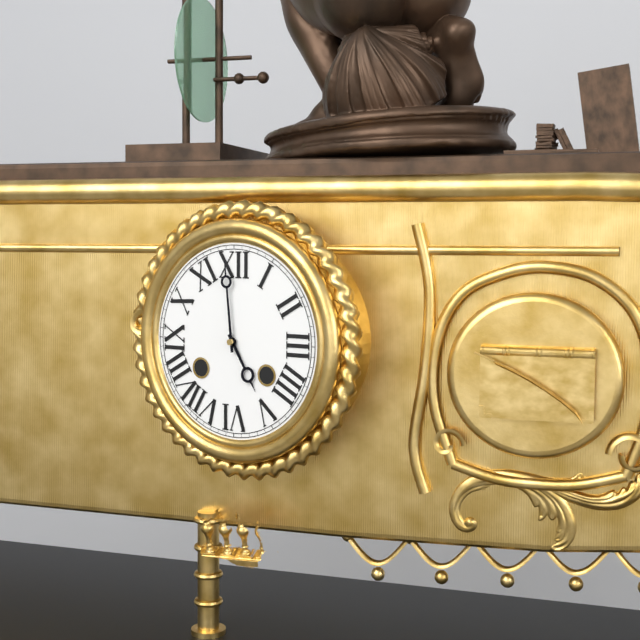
4h59
